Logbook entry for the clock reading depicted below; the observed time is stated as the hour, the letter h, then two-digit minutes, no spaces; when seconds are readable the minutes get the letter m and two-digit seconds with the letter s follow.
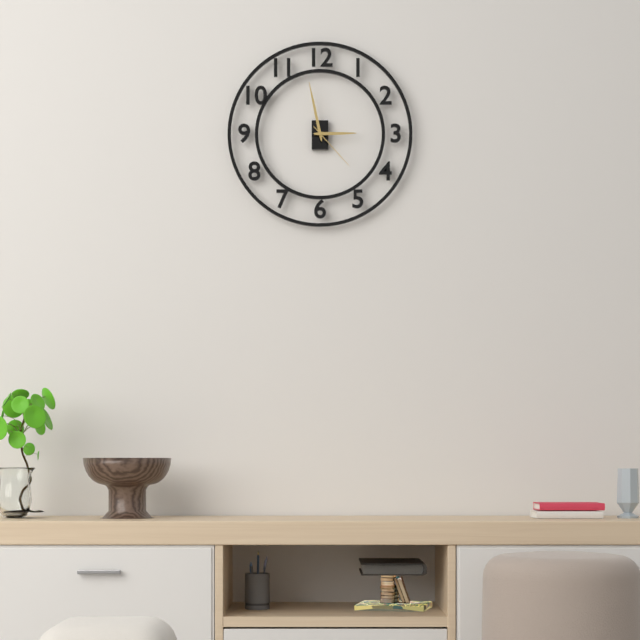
2h58m23s
